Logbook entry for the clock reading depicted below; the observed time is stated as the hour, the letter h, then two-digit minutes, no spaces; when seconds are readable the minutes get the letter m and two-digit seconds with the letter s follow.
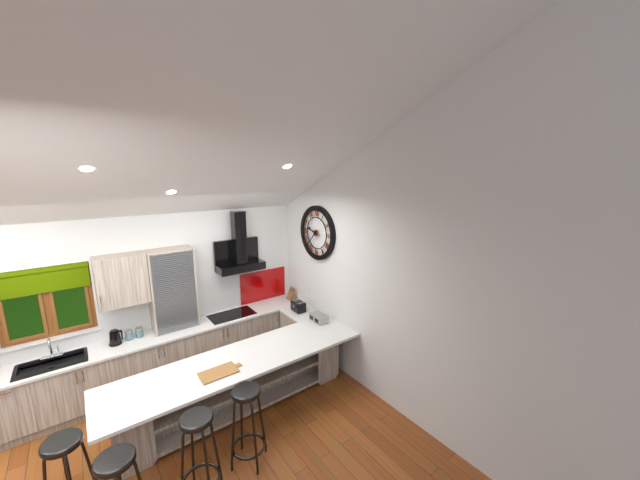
9h37
